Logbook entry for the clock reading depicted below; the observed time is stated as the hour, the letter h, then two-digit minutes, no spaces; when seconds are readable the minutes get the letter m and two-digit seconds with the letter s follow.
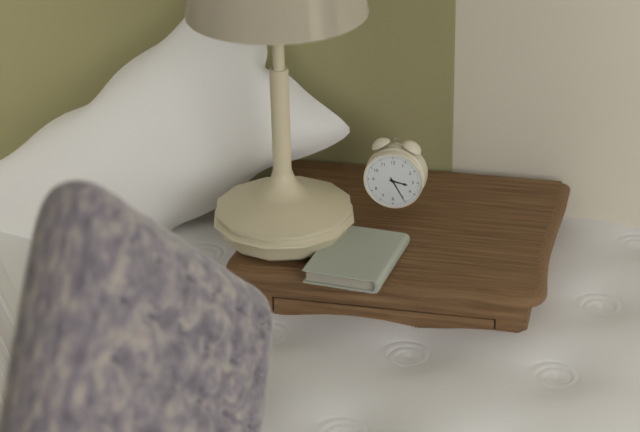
3h25
